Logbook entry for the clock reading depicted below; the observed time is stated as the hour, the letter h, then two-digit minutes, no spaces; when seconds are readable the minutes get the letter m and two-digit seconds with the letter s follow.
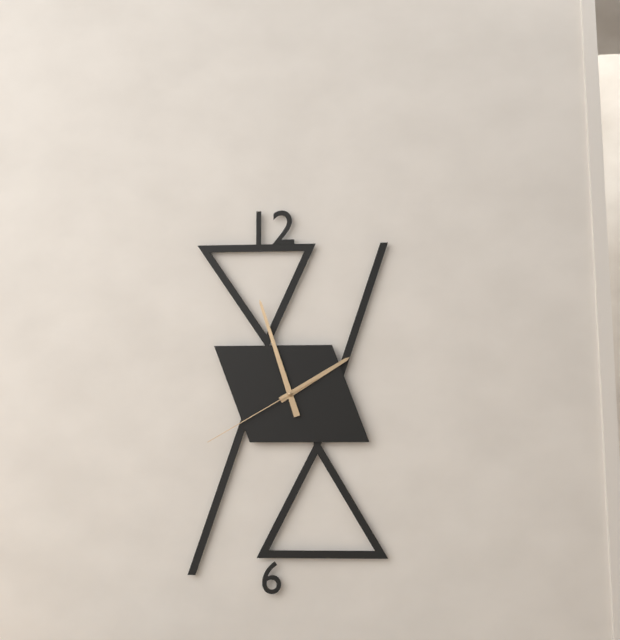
1h57m40s
